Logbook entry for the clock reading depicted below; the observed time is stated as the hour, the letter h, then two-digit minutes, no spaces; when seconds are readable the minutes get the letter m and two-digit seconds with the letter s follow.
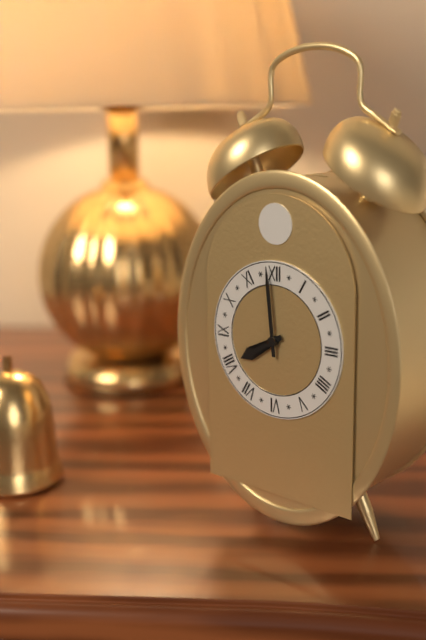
7h59
